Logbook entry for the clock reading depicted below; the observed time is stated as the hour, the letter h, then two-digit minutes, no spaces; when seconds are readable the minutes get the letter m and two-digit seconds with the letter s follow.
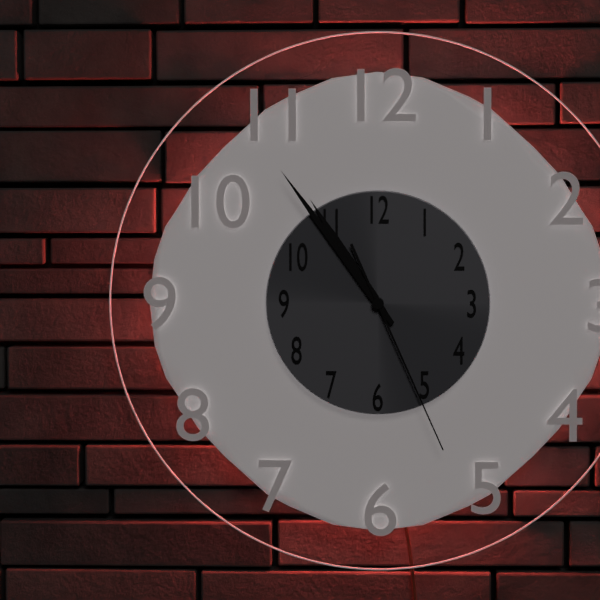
10h54m26s
